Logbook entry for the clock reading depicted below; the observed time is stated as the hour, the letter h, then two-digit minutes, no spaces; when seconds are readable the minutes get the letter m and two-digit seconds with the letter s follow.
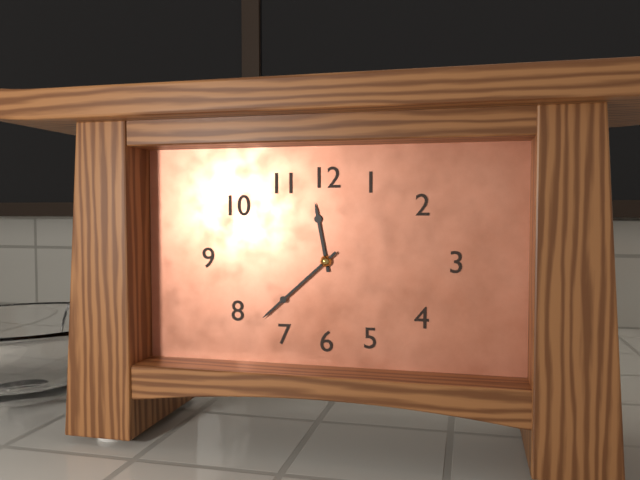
11h38
